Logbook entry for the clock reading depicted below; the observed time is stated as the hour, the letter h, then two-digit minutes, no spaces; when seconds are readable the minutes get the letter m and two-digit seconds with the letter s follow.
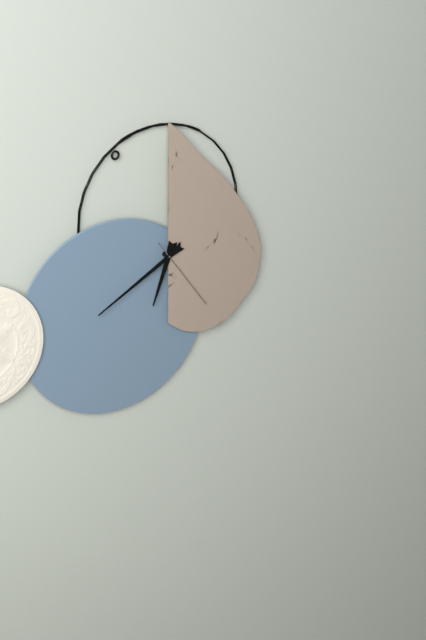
6h40m24s
